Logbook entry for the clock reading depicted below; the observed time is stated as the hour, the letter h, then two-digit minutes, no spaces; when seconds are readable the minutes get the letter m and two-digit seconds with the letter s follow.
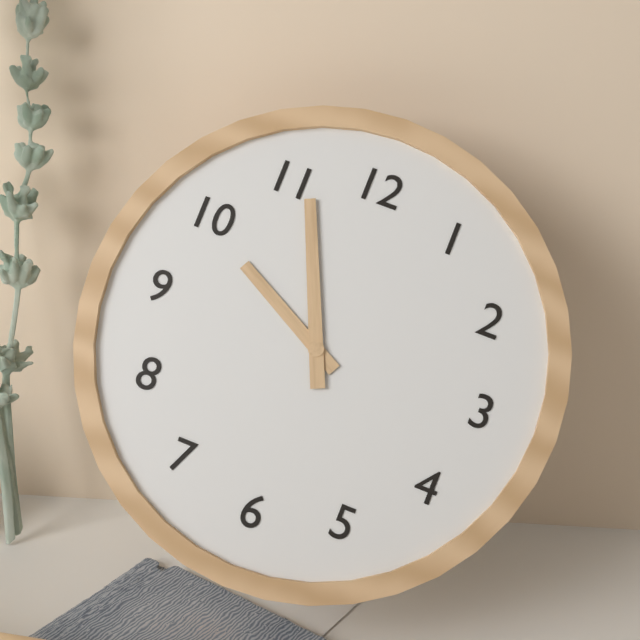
9h56
